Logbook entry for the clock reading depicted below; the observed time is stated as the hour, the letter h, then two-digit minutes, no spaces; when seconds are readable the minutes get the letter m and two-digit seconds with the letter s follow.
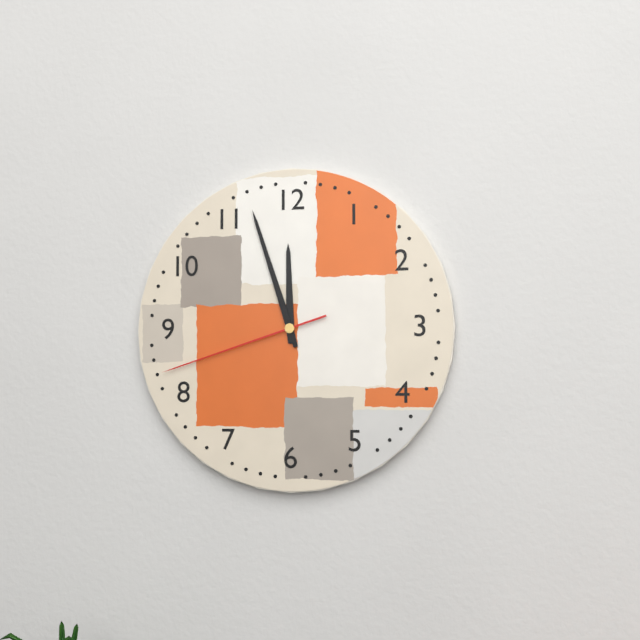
11h57m42s
